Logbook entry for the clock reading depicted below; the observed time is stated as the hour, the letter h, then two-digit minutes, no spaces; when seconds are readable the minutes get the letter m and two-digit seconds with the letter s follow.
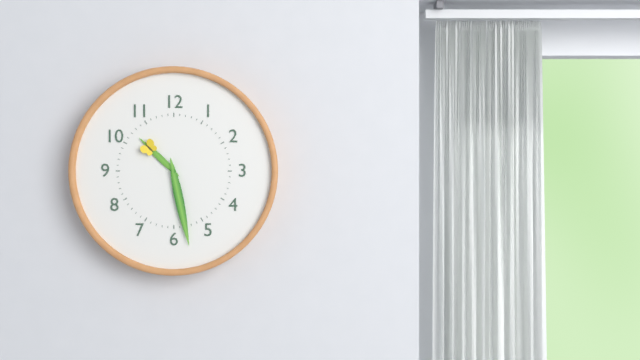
10h28
